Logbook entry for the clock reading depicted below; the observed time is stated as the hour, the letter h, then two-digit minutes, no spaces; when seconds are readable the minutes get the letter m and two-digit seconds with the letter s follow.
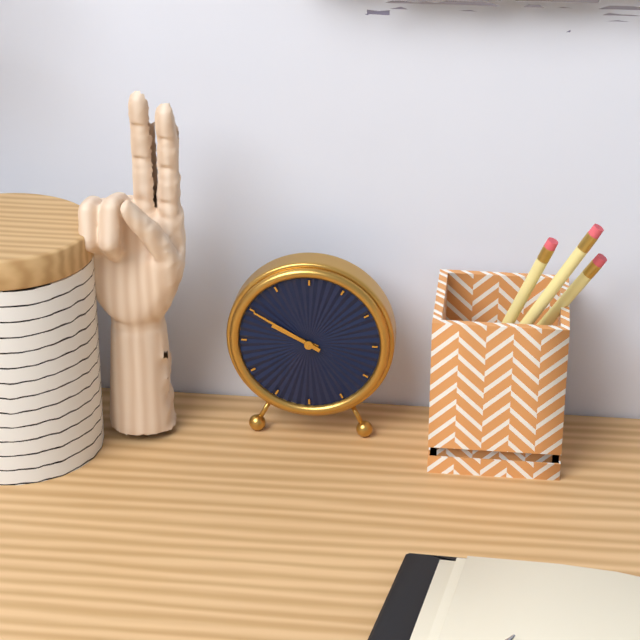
9h50
